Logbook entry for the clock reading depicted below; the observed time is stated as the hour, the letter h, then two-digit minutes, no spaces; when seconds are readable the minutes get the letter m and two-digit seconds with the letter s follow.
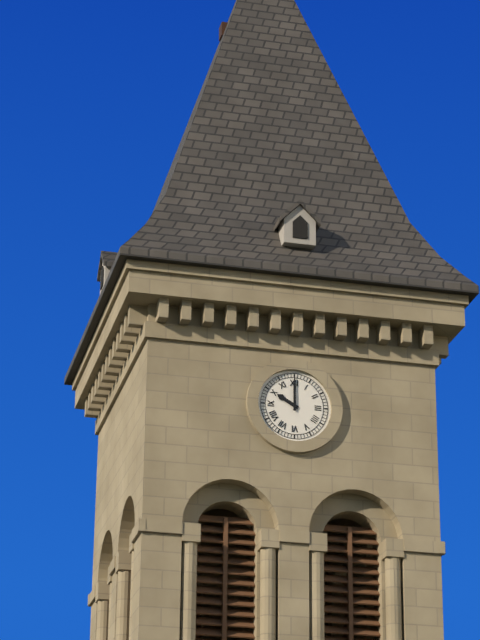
10h00
